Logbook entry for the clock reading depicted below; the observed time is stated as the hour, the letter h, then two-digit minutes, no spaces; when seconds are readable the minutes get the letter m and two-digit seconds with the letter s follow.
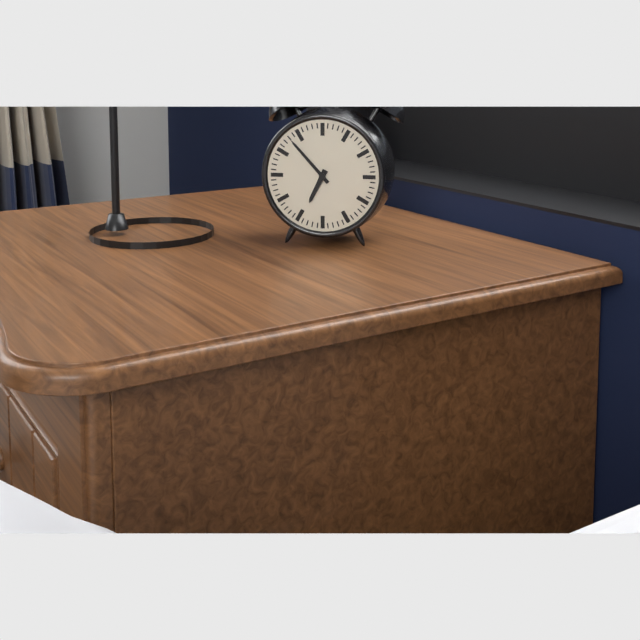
6h53
